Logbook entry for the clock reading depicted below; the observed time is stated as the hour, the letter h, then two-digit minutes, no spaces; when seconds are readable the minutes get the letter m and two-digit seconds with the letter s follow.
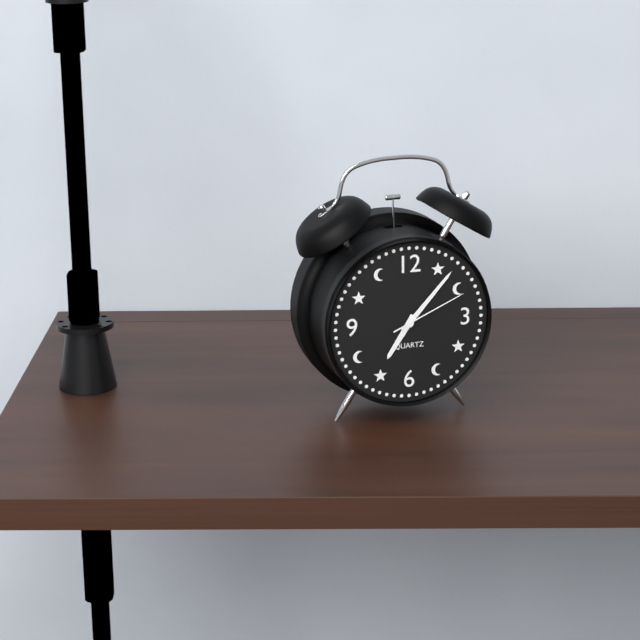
7h07m11s
